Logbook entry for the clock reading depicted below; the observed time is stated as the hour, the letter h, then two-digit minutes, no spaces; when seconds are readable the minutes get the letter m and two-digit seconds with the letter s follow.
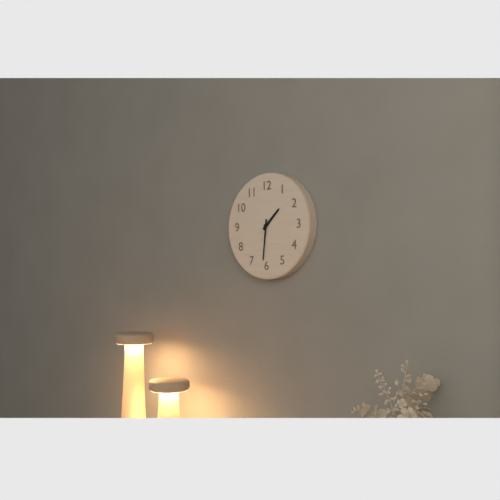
1h31
